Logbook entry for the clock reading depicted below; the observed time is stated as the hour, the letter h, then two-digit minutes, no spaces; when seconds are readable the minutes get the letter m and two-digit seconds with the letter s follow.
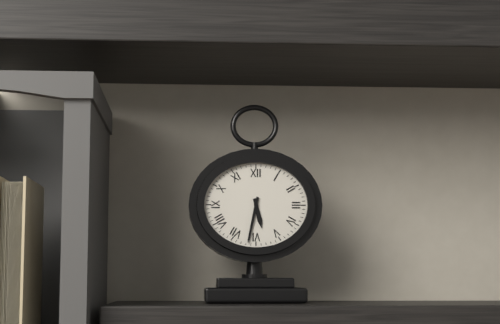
5h32
